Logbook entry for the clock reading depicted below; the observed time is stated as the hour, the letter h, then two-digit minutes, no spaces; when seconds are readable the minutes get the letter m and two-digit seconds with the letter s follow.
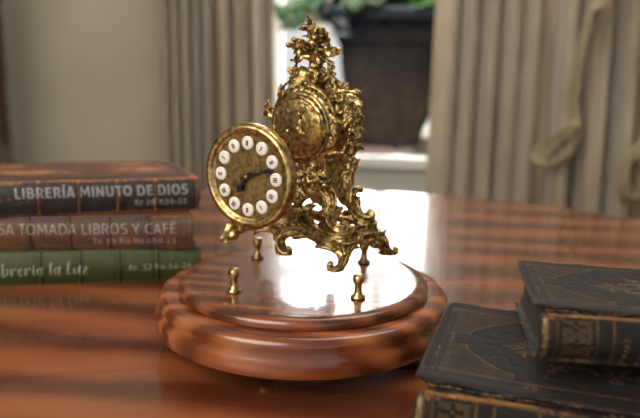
7h12
